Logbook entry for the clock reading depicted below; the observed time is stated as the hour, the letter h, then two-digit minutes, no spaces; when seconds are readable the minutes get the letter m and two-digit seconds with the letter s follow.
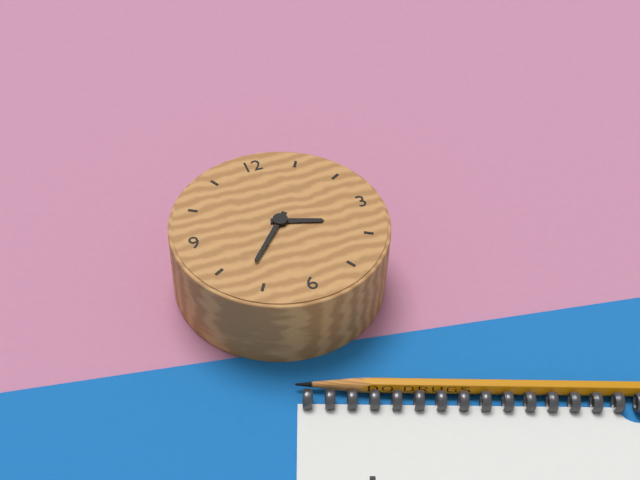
3h37
